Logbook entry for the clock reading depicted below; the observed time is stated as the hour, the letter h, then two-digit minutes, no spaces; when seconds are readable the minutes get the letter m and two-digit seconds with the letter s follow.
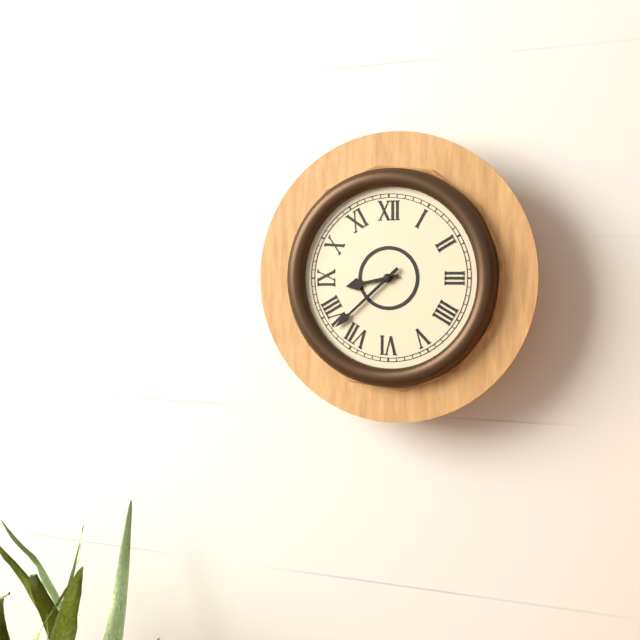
8h38
